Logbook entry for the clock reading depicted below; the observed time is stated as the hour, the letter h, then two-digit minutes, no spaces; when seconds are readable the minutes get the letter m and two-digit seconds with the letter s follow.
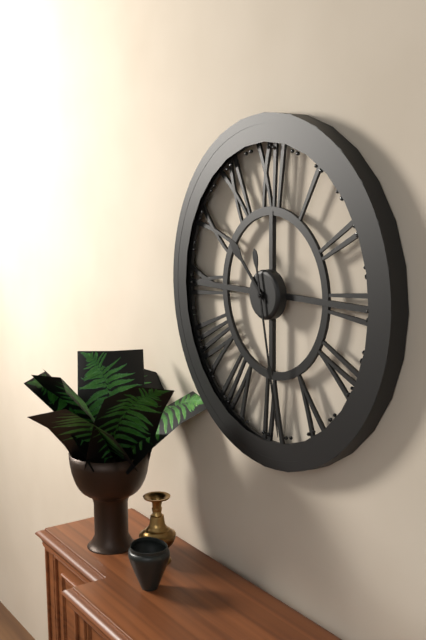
10h28
